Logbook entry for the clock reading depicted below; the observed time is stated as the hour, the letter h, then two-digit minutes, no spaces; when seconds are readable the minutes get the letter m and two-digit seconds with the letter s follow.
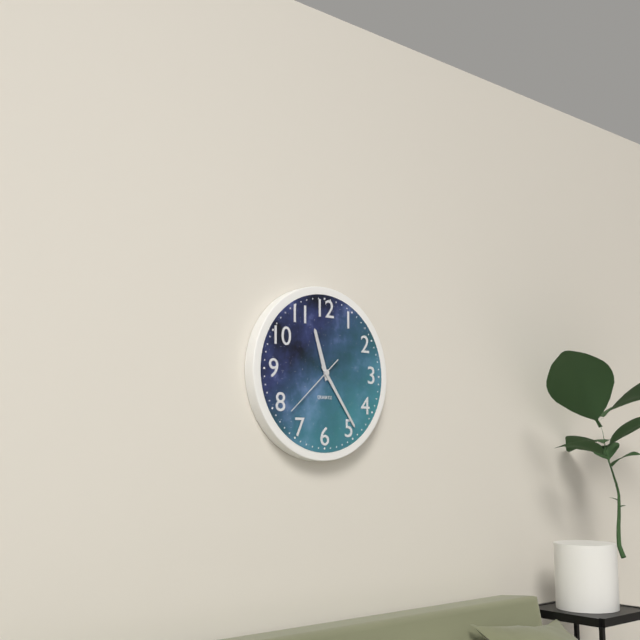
11h24m38s
